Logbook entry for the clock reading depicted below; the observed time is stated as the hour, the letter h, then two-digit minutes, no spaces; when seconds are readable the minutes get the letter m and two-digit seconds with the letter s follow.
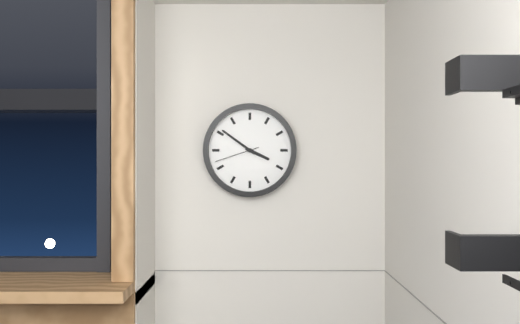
3h51
